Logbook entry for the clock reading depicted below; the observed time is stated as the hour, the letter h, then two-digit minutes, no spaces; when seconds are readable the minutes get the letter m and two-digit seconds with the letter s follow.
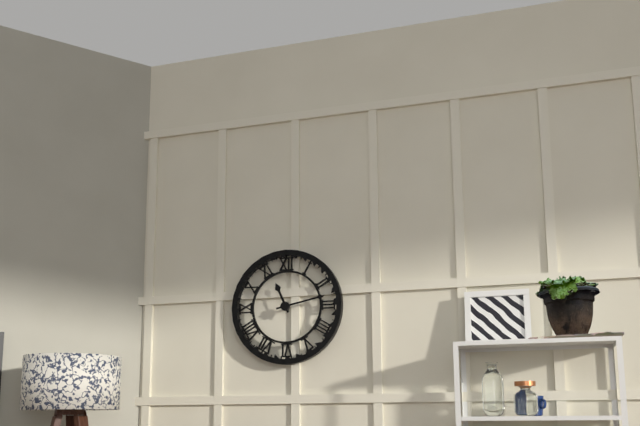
11h13
